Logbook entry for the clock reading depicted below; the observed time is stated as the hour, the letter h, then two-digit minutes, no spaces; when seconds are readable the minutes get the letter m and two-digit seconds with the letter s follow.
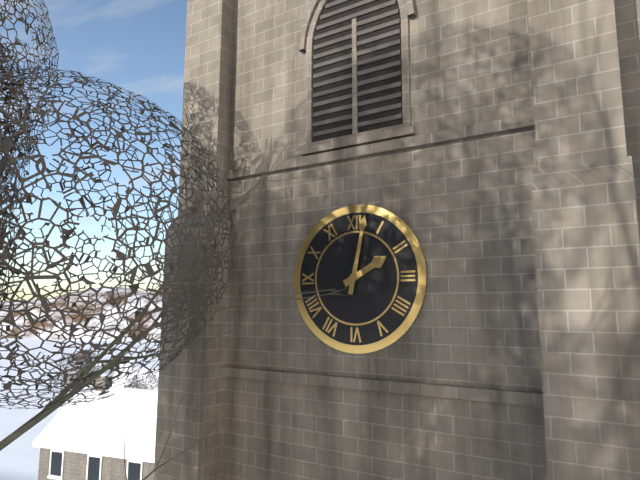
2h02
